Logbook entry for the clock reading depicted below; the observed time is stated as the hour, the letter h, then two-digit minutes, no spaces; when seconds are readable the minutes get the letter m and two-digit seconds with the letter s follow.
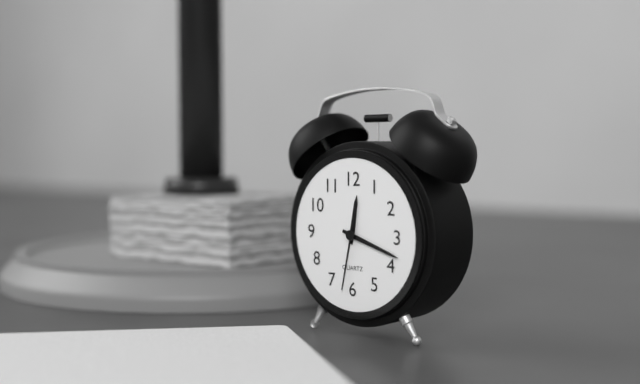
12h18m32s
